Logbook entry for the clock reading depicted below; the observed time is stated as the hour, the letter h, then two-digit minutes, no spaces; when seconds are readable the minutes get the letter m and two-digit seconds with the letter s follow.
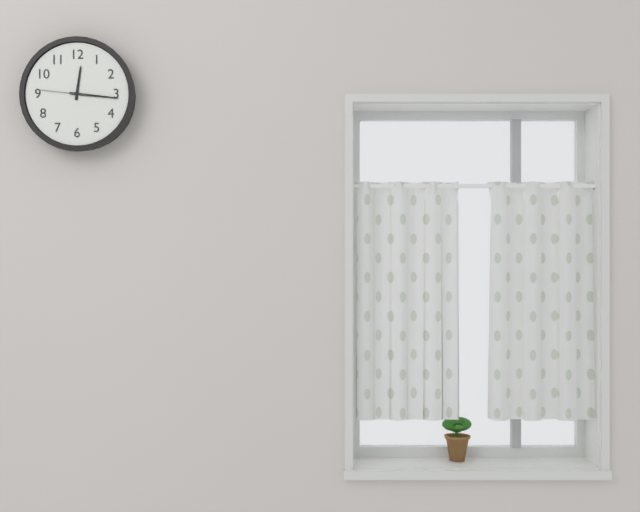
12h16
